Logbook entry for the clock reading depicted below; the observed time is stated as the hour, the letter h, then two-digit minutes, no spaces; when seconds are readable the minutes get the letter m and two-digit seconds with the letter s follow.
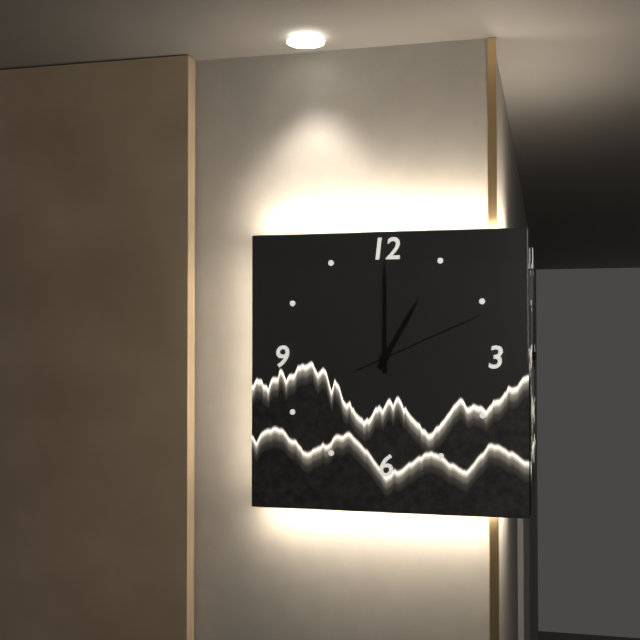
1h00m11s
